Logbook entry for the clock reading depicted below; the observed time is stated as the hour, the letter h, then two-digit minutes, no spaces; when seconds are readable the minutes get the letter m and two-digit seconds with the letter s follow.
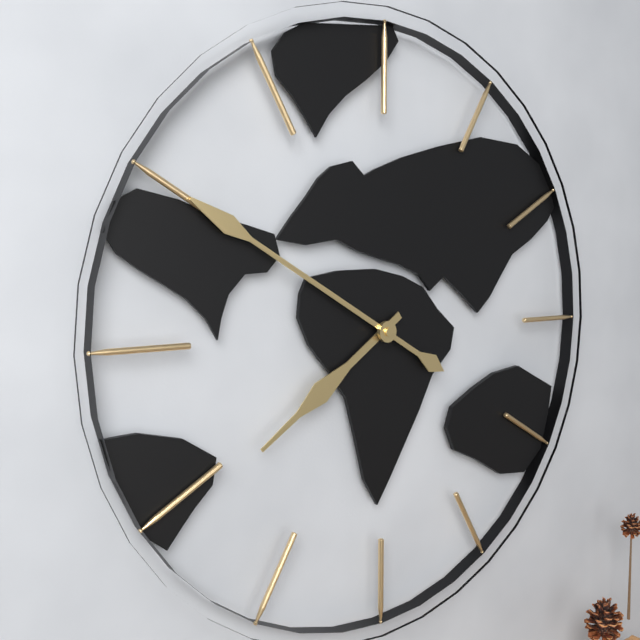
7h50
